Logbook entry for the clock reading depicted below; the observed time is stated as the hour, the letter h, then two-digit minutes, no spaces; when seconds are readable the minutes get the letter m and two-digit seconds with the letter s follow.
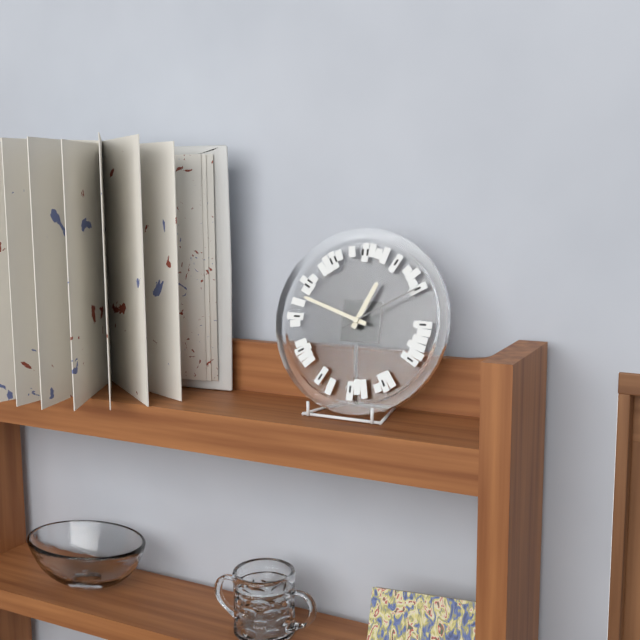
12h48m10s
